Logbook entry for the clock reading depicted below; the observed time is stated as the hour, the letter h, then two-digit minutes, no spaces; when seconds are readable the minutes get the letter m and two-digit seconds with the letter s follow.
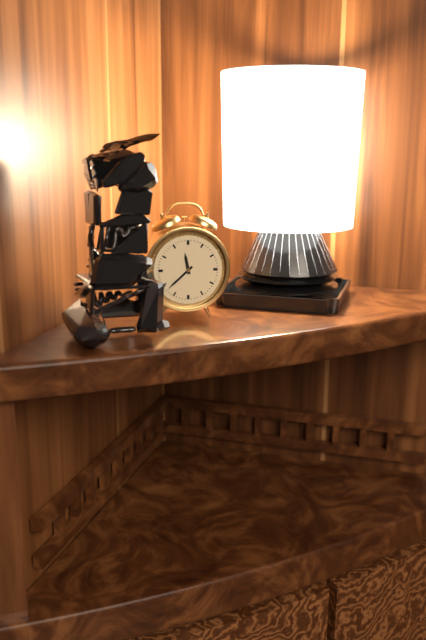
11h38
